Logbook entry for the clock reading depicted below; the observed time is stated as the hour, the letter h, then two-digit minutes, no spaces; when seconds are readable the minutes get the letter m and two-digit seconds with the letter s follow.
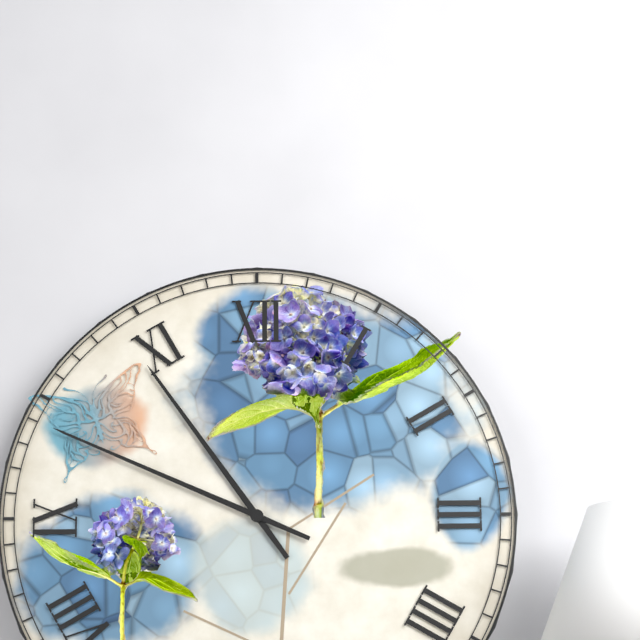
10h49
